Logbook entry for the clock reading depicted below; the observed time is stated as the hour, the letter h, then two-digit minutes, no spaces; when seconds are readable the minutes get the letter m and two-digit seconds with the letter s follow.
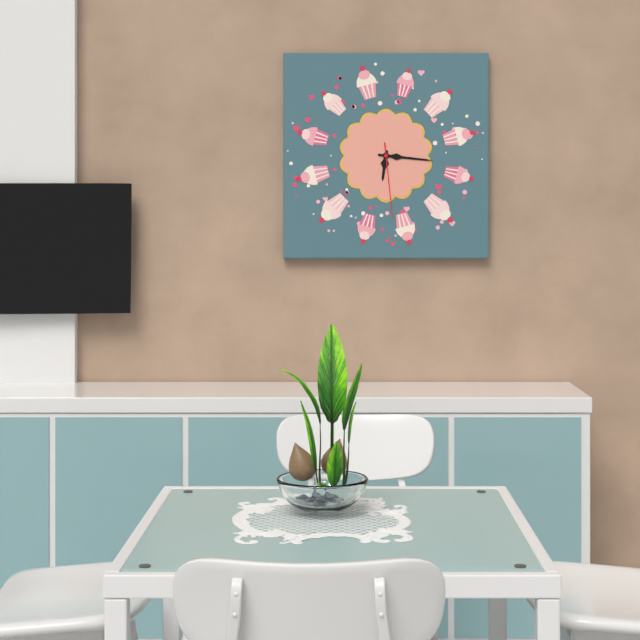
6h16m29s
